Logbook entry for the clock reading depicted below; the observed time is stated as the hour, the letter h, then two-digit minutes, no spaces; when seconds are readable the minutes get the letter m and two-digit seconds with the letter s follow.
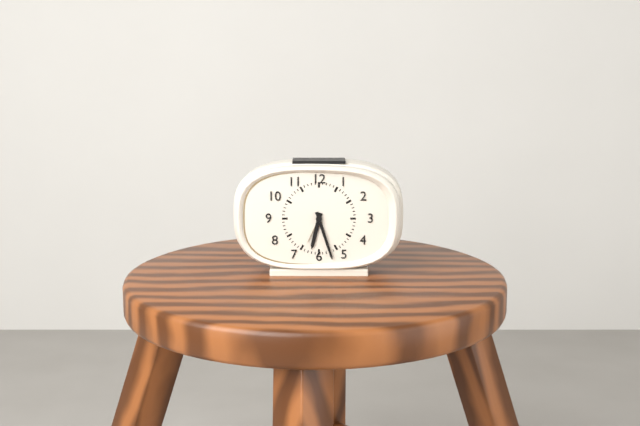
6h27
